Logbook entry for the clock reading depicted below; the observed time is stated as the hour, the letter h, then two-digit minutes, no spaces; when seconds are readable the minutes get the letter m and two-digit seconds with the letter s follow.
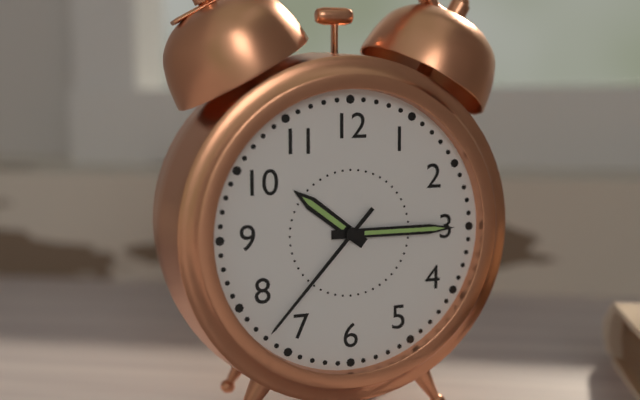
10h15m37s
